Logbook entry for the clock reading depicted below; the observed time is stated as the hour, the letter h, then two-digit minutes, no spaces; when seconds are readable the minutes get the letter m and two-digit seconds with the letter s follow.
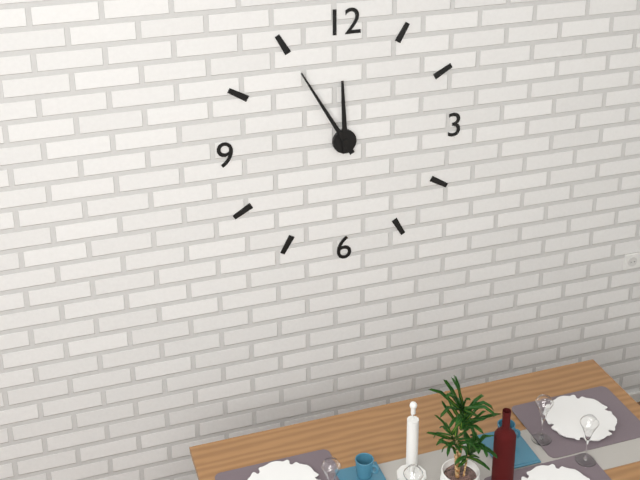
11h55
